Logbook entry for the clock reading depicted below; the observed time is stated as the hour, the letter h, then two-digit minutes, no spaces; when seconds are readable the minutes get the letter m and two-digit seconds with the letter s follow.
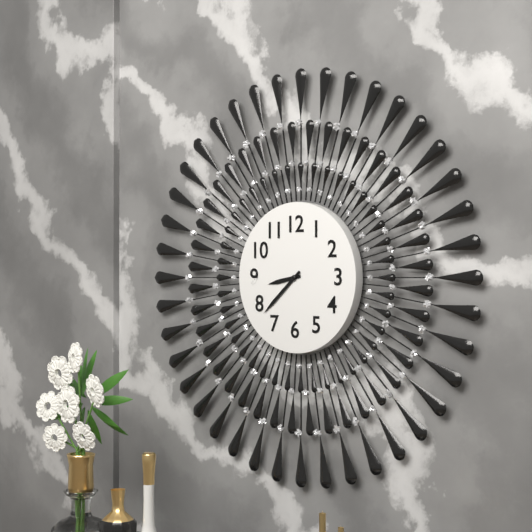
8h38
